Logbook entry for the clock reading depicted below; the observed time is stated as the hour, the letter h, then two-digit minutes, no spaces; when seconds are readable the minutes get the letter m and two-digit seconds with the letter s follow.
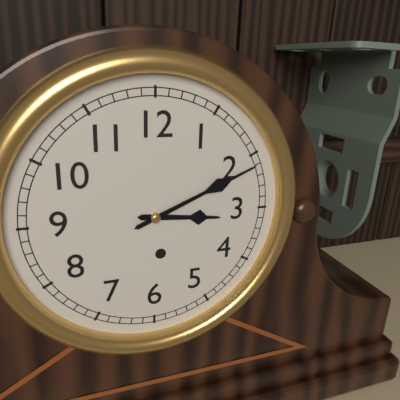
3h11
